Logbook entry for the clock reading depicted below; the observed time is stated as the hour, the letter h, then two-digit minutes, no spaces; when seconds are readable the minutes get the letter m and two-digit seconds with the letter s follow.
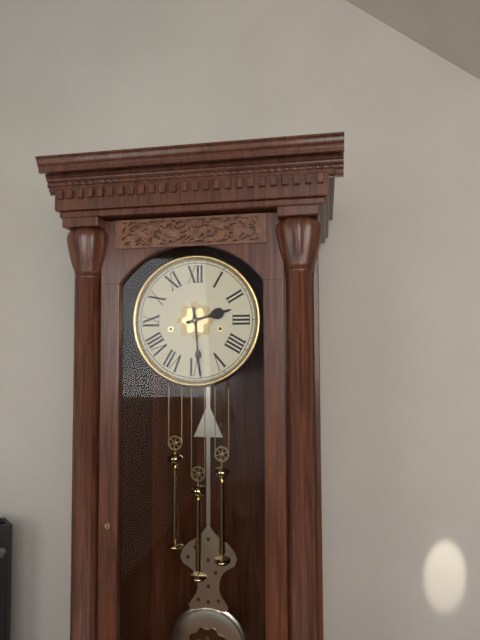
2h29
